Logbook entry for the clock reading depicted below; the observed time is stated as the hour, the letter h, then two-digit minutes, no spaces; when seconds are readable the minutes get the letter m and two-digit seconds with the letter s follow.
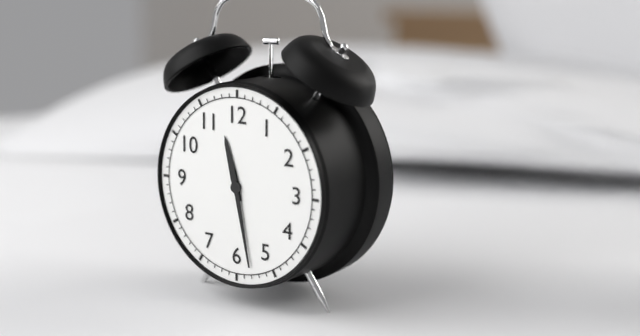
11h28
